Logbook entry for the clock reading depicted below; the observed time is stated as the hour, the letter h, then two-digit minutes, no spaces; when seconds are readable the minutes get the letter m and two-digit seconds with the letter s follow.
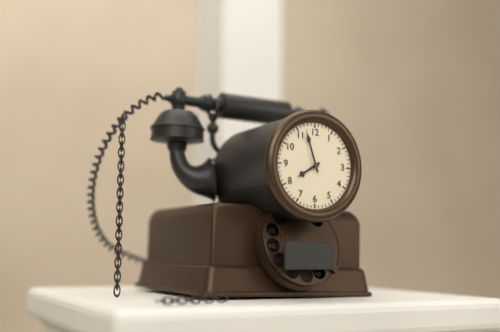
7h57
